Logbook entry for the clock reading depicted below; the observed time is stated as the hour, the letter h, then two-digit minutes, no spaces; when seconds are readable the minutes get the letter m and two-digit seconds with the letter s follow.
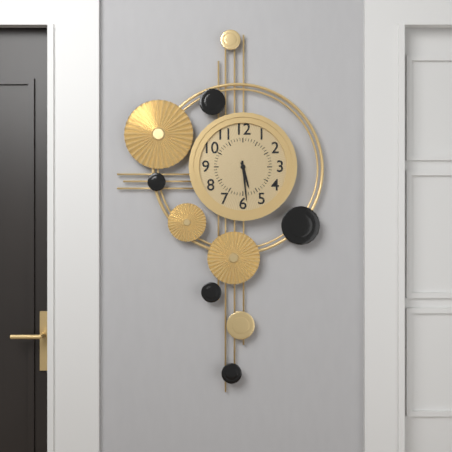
5h29
